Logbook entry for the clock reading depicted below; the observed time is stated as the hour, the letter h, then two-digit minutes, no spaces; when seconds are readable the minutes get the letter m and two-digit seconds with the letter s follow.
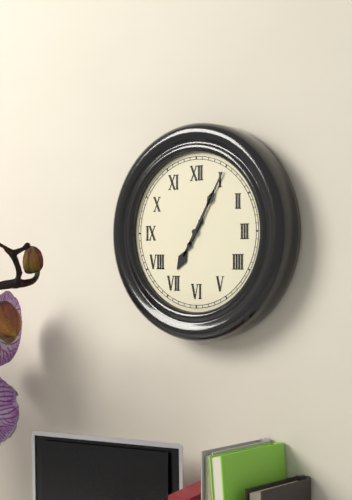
7h05
